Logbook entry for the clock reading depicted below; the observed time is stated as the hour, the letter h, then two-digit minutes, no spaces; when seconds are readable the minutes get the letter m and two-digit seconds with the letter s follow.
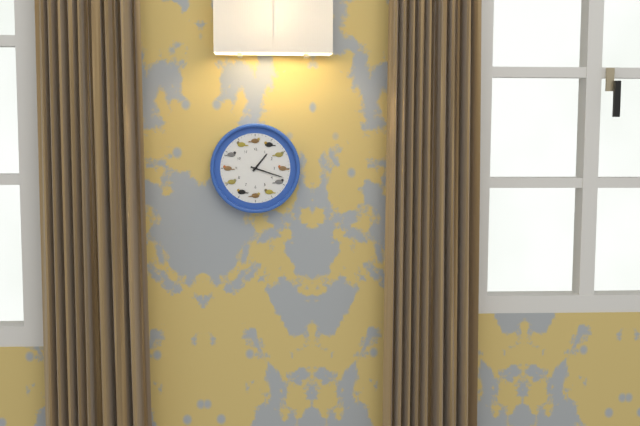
1h18
